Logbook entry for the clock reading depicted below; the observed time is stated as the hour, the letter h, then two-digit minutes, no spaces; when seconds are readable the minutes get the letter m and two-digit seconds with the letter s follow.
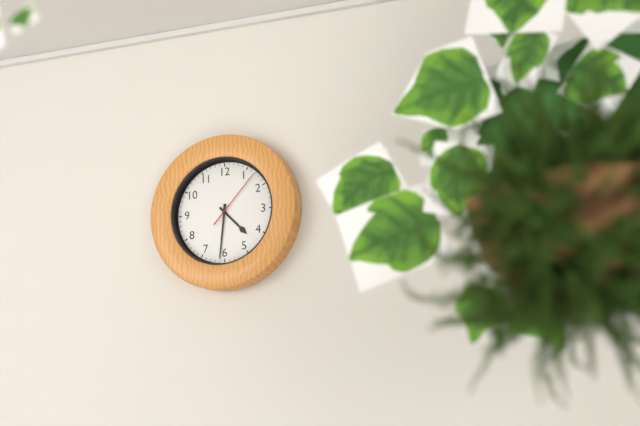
4h31m07s
